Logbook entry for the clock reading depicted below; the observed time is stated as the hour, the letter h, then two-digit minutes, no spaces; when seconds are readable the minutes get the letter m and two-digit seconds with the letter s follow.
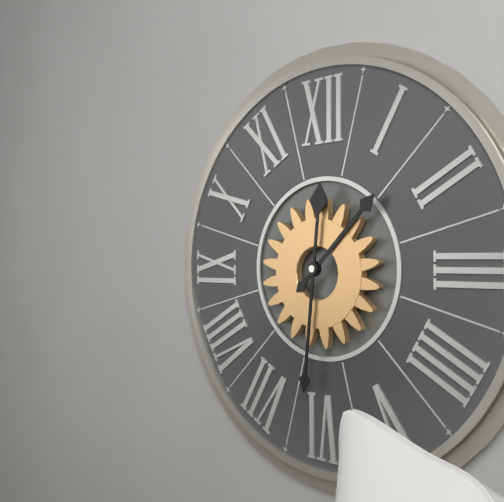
1h31
